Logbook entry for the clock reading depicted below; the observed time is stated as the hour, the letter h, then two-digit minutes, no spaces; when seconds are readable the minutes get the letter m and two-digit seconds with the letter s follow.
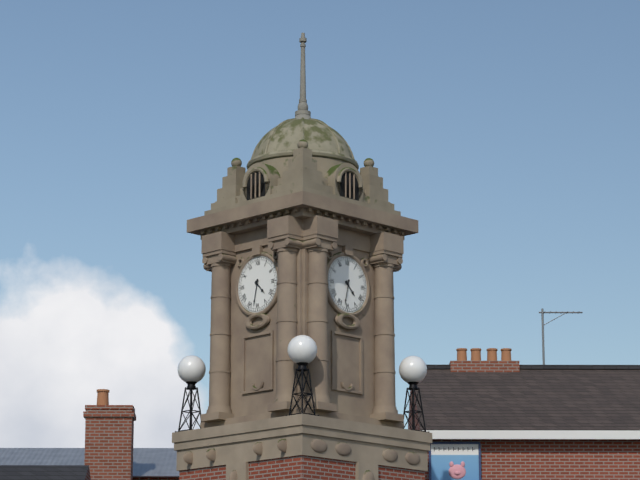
4h32
